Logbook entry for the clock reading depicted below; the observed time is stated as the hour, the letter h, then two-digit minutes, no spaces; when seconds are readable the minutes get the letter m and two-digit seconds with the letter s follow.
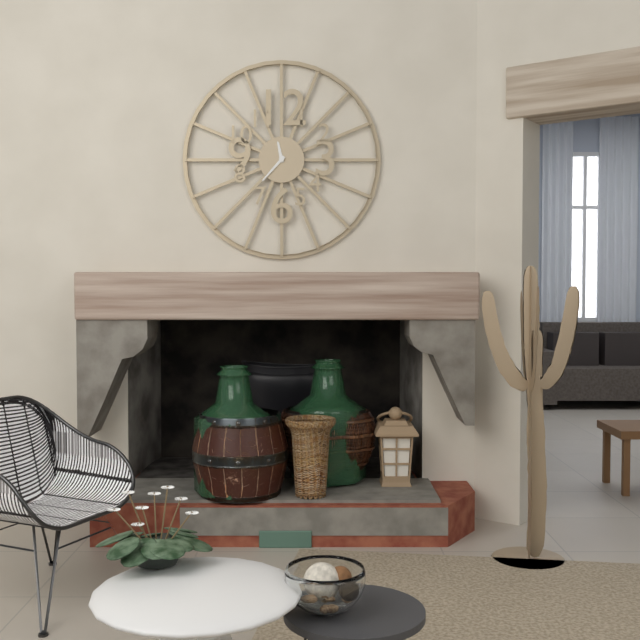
11h37
